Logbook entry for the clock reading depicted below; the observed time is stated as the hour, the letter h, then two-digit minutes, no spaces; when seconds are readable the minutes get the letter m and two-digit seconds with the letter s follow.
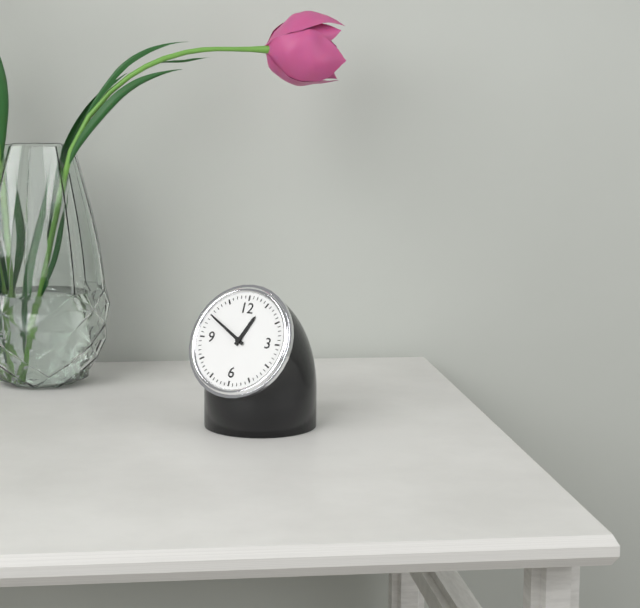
12h50
